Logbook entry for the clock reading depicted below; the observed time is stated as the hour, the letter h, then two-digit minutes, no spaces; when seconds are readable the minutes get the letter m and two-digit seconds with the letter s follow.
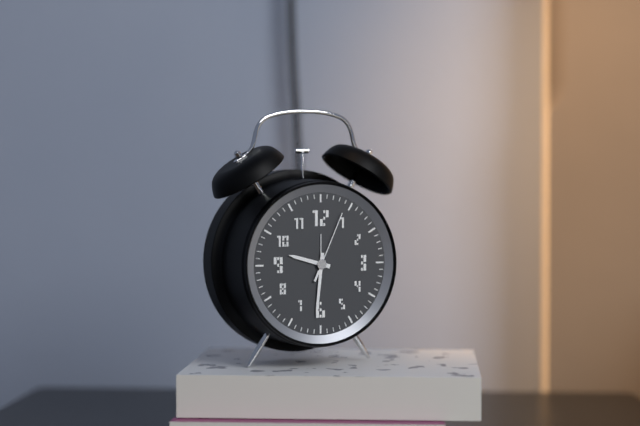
9h31m04s
